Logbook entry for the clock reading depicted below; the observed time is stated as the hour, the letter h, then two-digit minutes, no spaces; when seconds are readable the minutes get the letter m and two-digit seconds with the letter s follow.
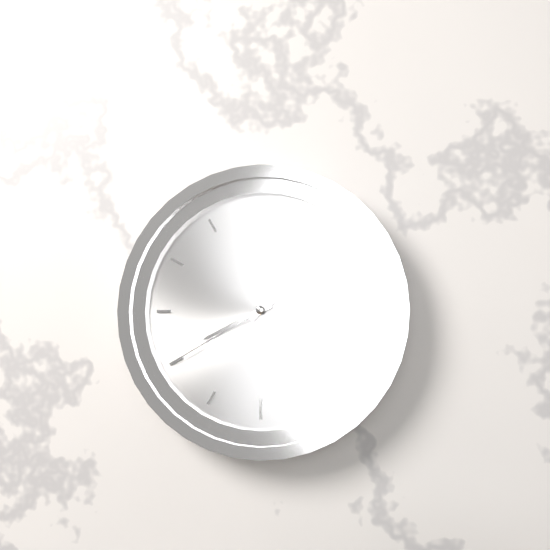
8h07m40s
